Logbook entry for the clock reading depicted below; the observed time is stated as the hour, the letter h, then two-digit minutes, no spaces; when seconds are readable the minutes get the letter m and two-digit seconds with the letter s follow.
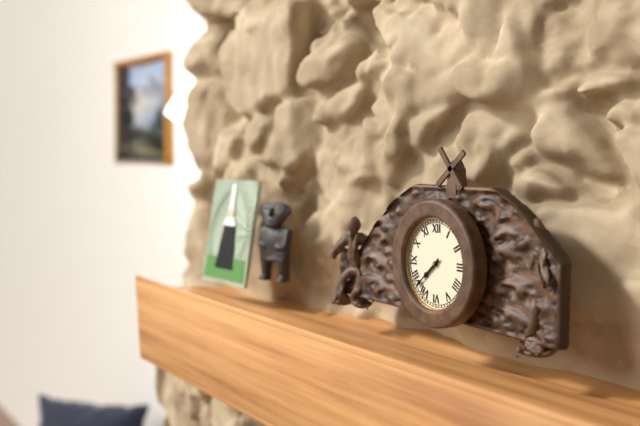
7h38
